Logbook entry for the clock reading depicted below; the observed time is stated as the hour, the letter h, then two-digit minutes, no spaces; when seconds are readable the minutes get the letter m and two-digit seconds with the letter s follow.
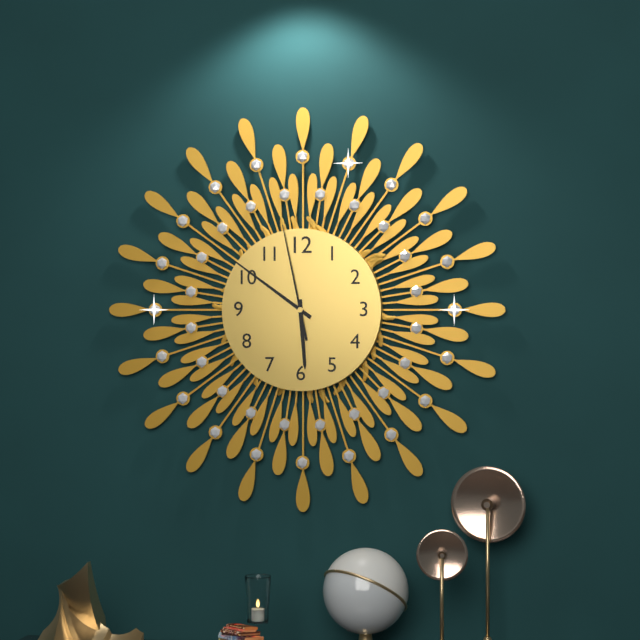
5h51m58s
